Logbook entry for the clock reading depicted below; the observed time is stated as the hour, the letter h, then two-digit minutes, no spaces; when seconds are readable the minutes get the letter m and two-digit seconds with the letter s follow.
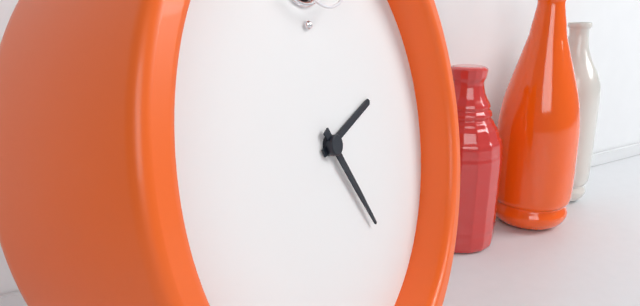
2h25
